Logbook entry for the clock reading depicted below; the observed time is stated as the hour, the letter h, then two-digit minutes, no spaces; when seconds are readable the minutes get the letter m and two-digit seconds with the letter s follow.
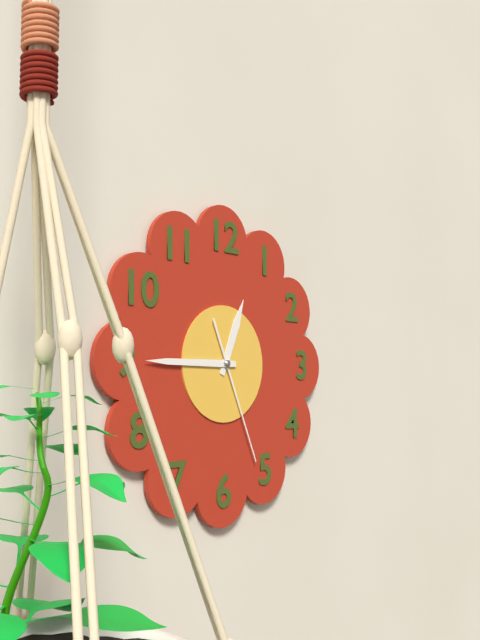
12h45m26s
